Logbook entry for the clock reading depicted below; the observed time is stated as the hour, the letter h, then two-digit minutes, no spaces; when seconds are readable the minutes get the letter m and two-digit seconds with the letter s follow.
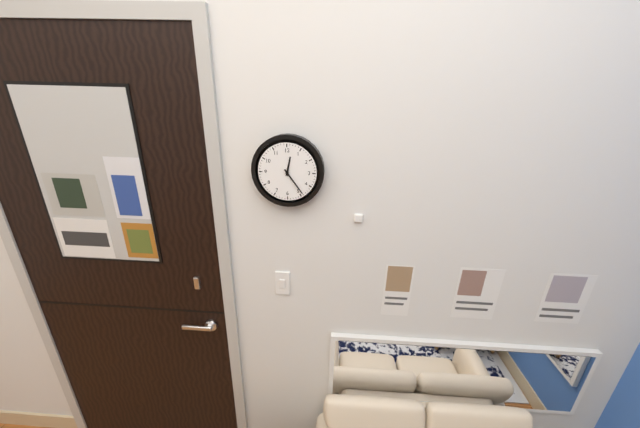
12h24
